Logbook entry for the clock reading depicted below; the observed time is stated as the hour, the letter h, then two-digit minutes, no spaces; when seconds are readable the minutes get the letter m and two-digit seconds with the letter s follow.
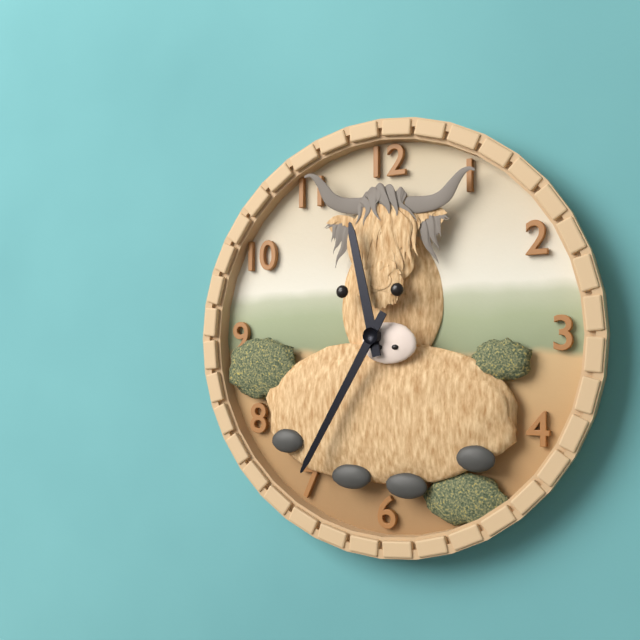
11h35
